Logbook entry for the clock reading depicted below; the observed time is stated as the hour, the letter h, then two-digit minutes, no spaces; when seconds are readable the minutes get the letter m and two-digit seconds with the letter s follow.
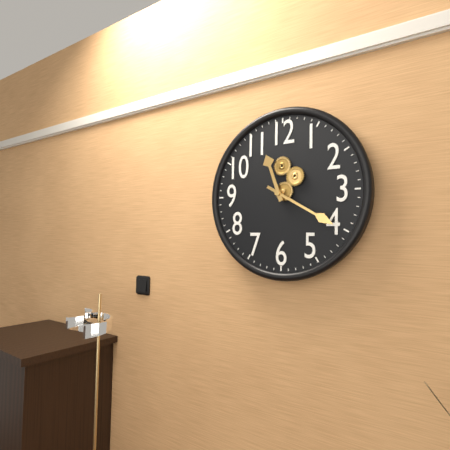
11h20
